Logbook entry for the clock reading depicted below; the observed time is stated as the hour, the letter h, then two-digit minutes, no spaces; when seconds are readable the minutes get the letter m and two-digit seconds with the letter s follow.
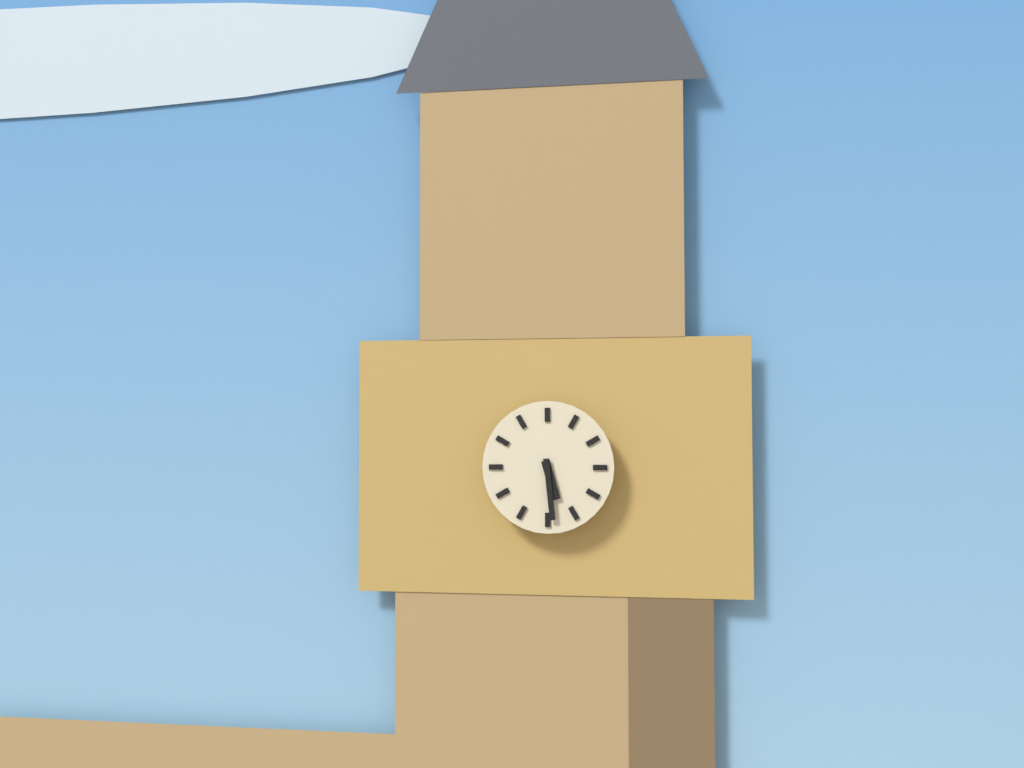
5h29
